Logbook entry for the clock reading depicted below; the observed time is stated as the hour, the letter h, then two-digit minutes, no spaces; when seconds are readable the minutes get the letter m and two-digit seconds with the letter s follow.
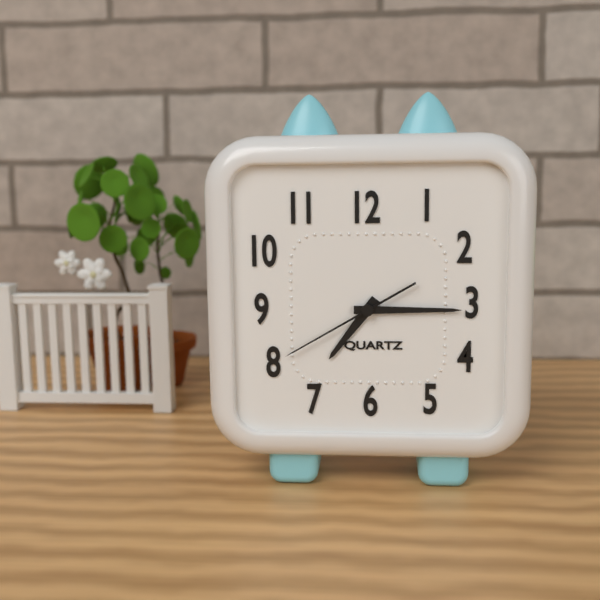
7h15m40s
